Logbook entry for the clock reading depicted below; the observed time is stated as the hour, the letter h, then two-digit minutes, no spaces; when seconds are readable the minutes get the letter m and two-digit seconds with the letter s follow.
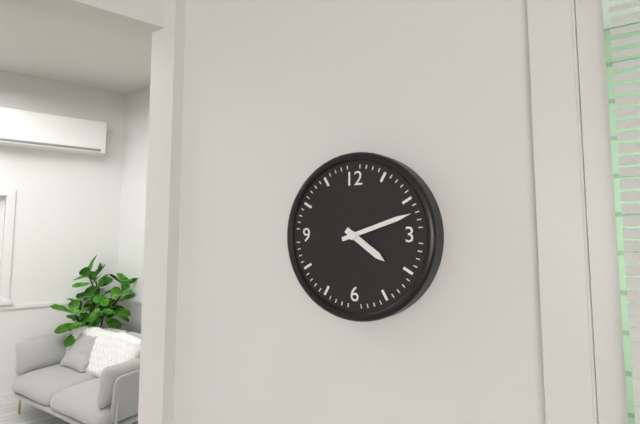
4h12
